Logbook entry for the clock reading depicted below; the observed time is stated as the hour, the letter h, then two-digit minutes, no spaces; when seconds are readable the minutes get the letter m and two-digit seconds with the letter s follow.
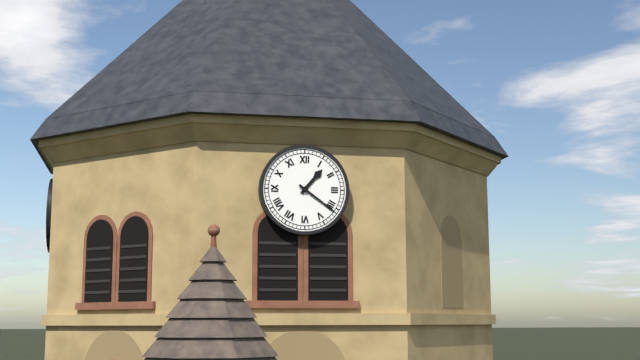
1h21
